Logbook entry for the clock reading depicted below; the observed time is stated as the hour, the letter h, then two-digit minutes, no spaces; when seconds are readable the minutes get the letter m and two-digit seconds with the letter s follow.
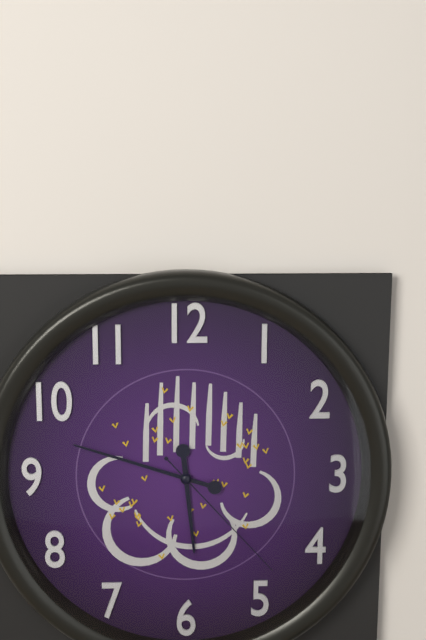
5h48m23s
